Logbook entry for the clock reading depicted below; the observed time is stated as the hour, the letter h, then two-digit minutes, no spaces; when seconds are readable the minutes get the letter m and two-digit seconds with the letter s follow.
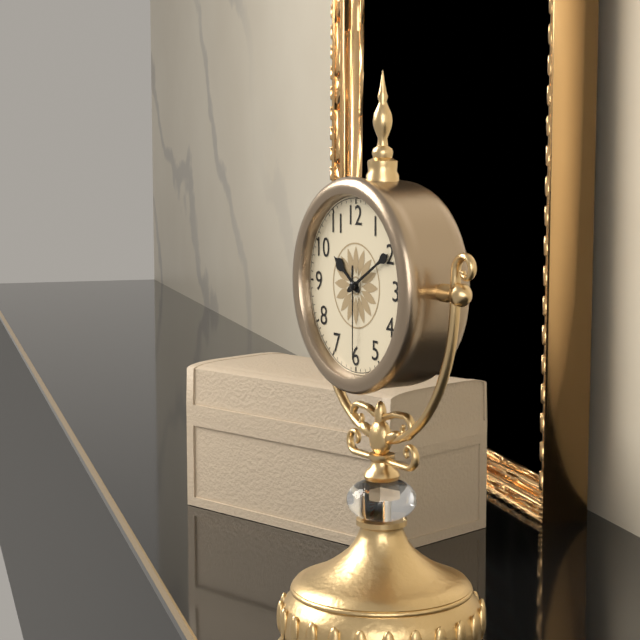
10h10m30s
